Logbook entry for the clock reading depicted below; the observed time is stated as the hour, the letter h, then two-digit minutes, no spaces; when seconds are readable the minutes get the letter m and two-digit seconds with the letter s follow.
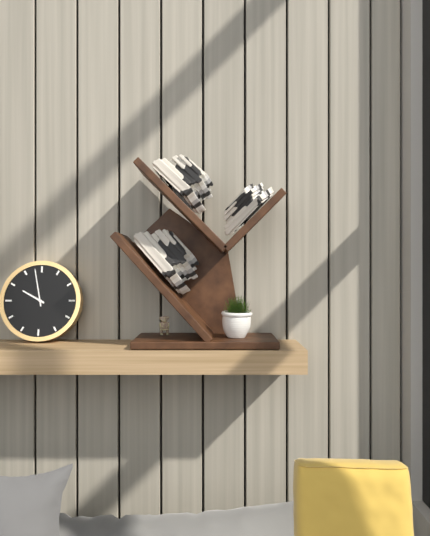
9h58
